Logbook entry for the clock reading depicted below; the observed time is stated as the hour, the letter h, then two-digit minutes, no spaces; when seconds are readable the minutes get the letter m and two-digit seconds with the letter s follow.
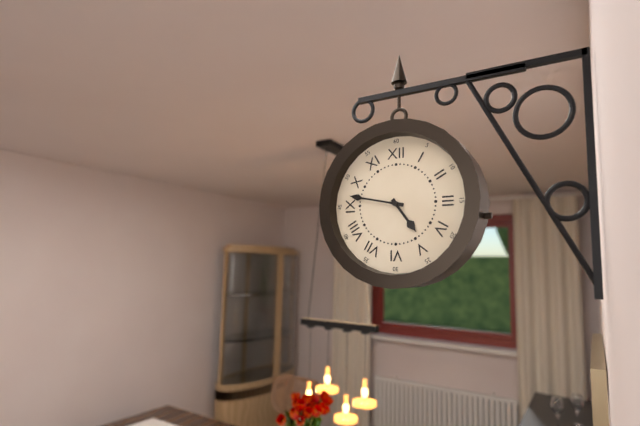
4h47
